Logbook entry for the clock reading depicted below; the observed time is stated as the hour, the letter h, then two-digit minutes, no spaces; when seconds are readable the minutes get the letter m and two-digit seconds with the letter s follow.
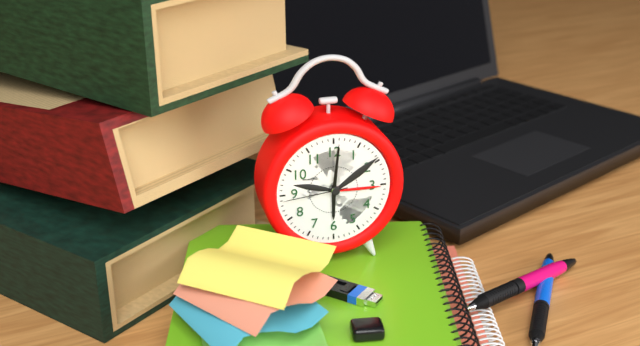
6h01m44s
